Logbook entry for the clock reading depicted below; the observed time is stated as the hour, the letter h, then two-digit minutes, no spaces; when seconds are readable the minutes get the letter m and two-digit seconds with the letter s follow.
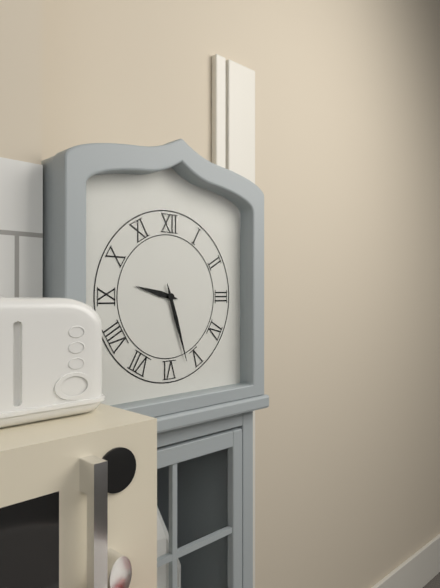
9h27
